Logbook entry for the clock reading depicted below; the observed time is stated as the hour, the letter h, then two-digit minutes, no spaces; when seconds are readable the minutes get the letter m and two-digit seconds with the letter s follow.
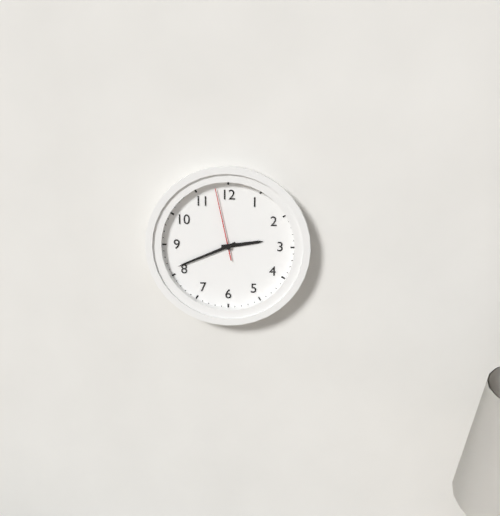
2h41m58s
